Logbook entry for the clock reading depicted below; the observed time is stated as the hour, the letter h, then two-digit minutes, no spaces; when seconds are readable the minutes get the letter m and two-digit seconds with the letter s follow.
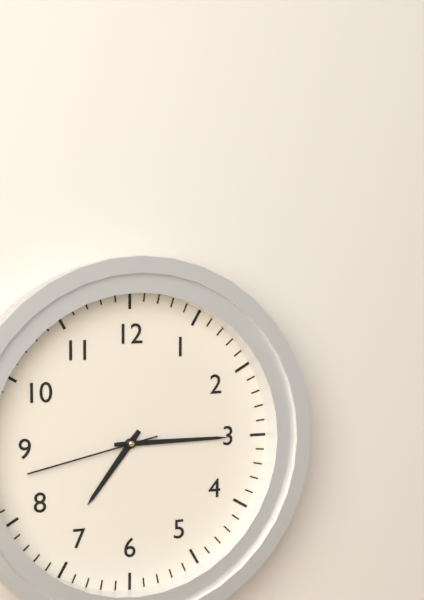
7h15m43s
